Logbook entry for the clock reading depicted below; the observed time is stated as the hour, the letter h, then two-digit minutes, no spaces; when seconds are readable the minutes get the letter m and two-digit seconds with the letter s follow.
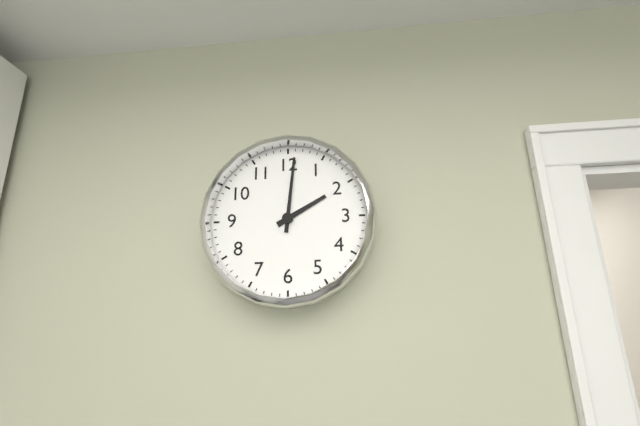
2h01
